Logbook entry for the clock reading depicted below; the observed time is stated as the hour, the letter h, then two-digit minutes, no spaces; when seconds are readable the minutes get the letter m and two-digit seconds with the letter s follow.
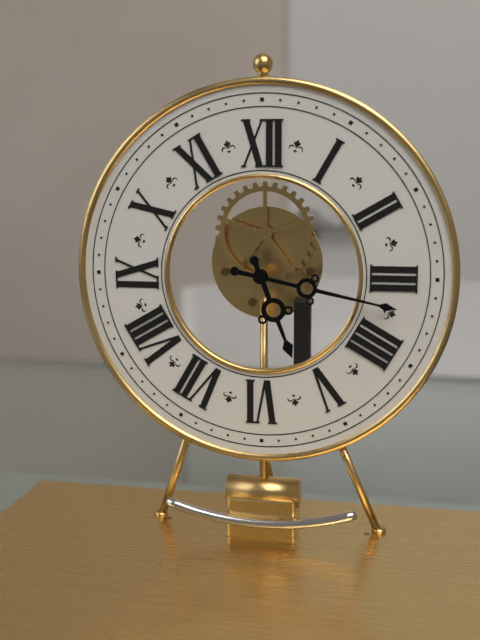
5h17
